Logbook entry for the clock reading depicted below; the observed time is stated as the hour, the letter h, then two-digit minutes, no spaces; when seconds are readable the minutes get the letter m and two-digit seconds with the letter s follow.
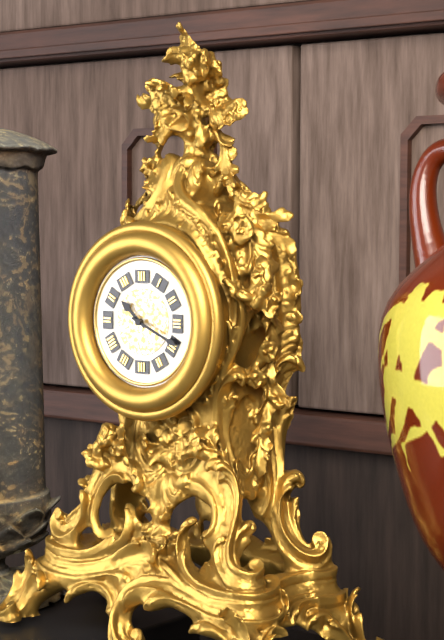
10h19
